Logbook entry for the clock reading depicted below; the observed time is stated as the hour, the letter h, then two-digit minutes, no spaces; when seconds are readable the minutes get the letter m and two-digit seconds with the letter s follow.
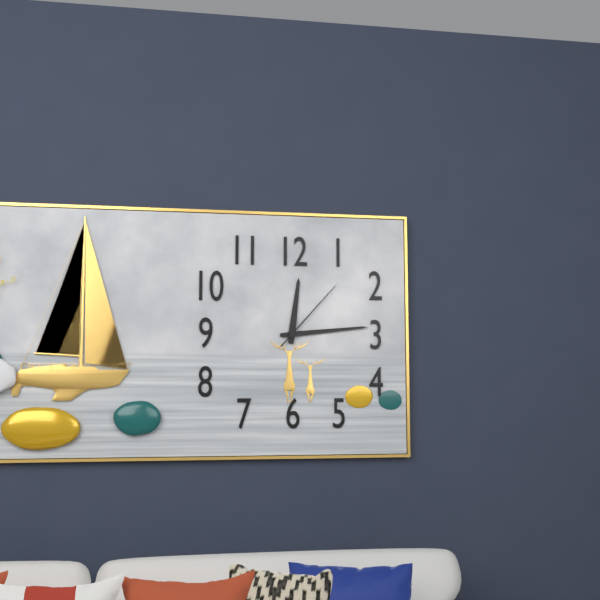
12h14m07s
